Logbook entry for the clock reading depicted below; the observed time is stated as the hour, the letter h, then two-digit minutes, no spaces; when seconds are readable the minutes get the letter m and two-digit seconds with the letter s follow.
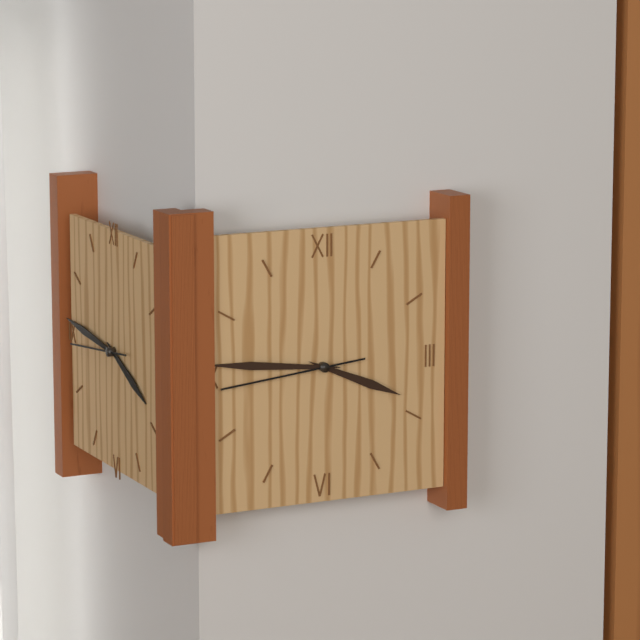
3h46m44s
